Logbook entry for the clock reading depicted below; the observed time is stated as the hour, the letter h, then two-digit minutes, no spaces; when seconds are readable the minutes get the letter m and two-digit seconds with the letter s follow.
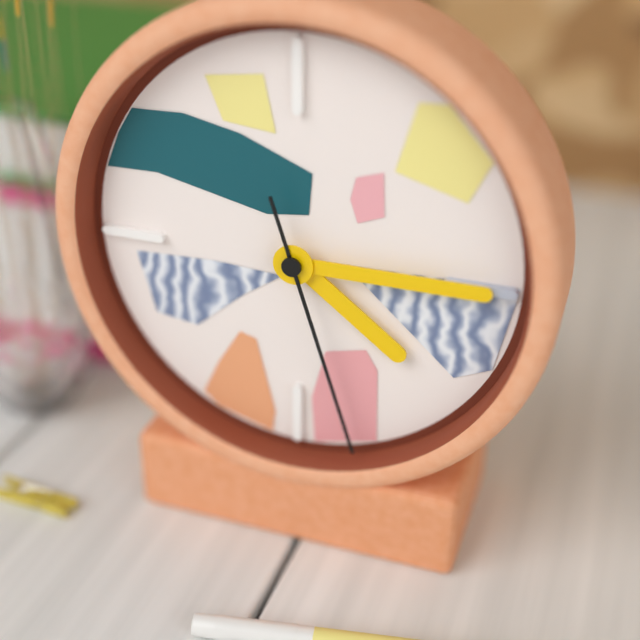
4h15m27s
